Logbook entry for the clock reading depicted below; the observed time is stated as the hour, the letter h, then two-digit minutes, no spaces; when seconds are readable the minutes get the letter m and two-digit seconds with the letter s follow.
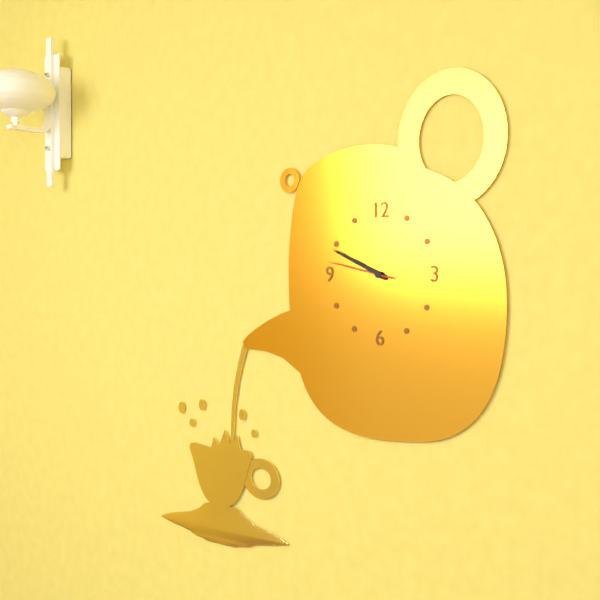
9h49m47s
